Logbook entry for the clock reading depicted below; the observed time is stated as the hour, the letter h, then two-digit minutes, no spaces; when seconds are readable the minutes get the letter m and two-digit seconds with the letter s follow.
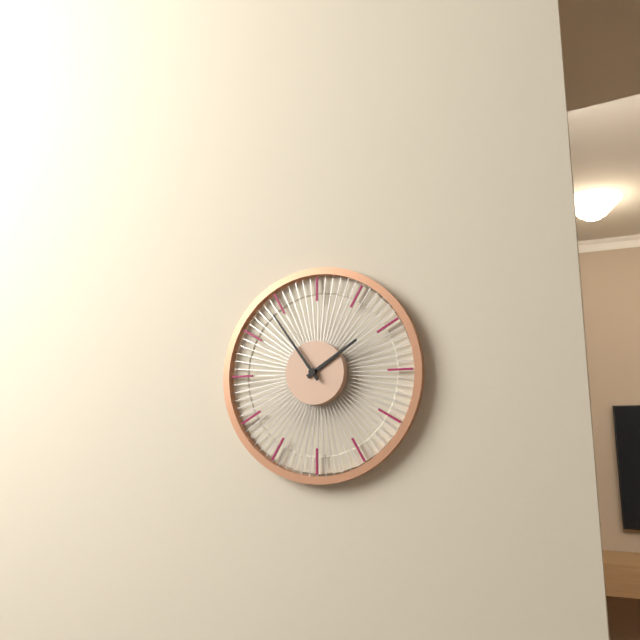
1h54
